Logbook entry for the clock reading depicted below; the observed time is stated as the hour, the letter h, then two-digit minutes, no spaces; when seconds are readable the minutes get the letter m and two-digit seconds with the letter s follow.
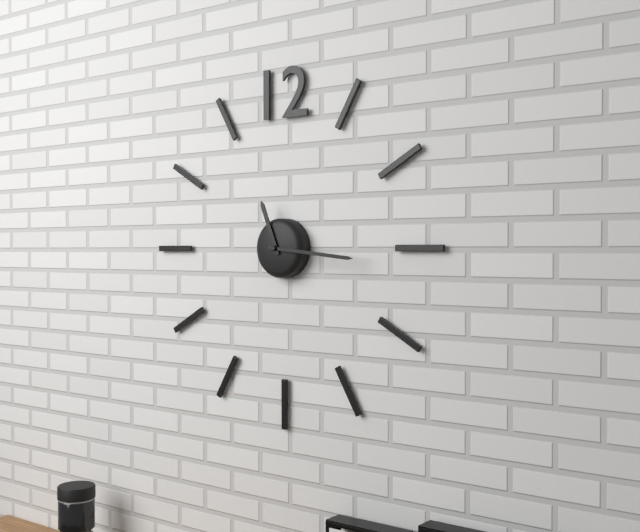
11h16
